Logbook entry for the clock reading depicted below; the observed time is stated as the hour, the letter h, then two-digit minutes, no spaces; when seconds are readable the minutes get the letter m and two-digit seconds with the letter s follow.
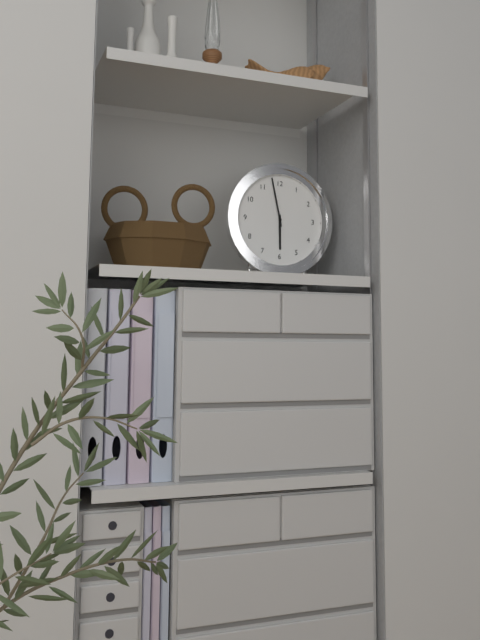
5h58
